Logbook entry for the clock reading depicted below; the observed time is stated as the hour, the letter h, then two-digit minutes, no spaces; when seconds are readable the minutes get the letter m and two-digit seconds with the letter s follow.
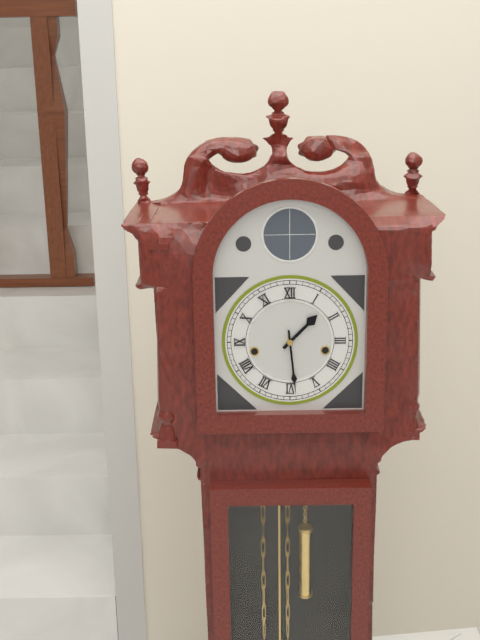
1h29
